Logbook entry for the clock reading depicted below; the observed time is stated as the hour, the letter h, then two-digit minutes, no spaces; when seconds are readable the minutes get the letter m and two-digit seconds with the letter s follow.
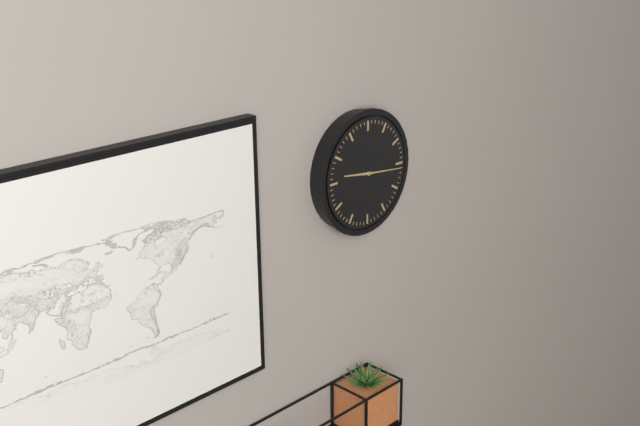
9h16
